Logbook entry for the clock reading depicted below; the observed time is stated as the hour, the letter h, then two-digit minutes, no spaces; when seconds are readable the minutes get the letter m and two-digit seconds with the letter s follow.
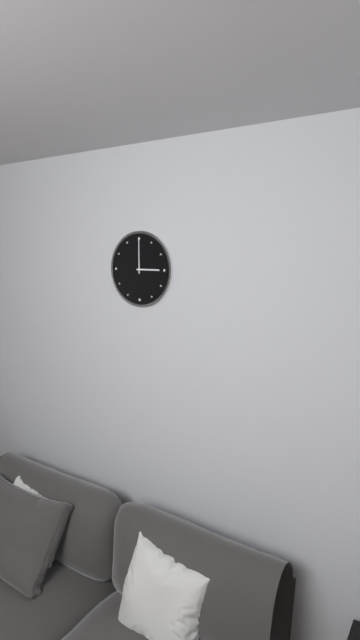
3h00
